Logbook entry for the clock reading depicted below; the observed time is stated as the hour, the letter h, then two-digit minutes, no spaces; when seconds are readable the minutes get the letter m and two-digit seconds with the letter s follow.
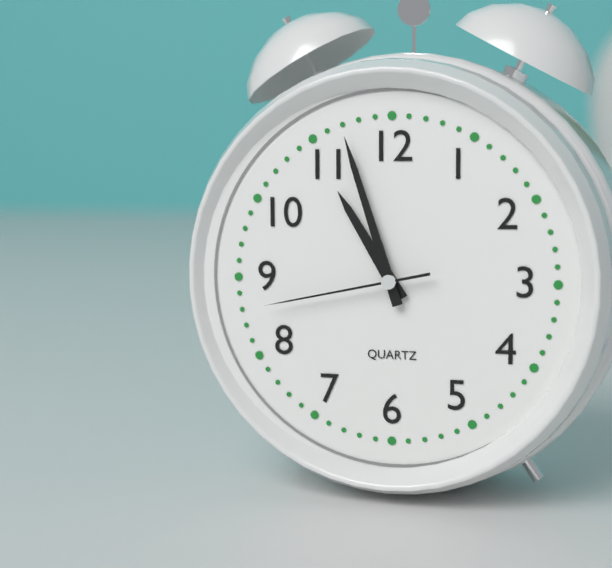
10h57m43s
